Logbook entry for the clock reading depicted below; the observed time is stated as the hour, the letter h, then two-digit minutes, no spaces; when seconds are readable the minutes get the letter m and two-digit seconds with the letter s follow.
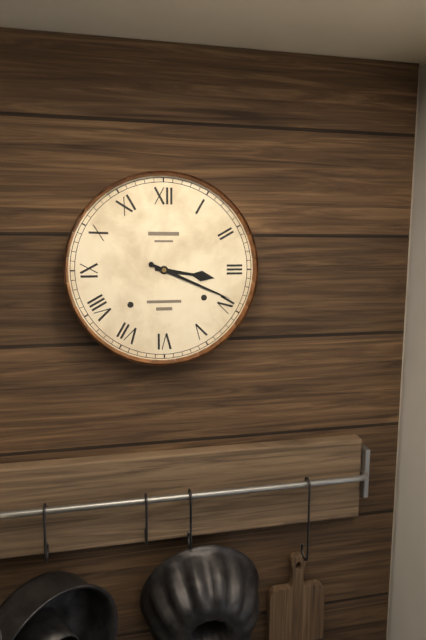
3h19
